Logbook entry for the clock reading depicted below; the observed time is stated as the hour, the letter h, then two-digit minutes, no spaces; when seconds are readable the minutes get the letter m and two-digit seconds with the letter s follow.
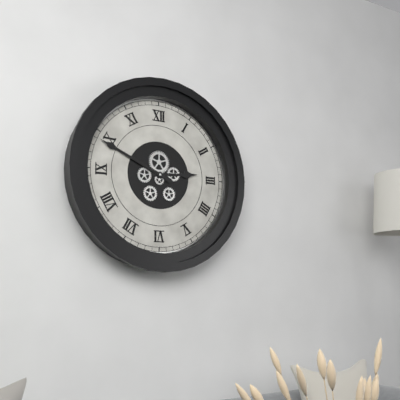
2h49
